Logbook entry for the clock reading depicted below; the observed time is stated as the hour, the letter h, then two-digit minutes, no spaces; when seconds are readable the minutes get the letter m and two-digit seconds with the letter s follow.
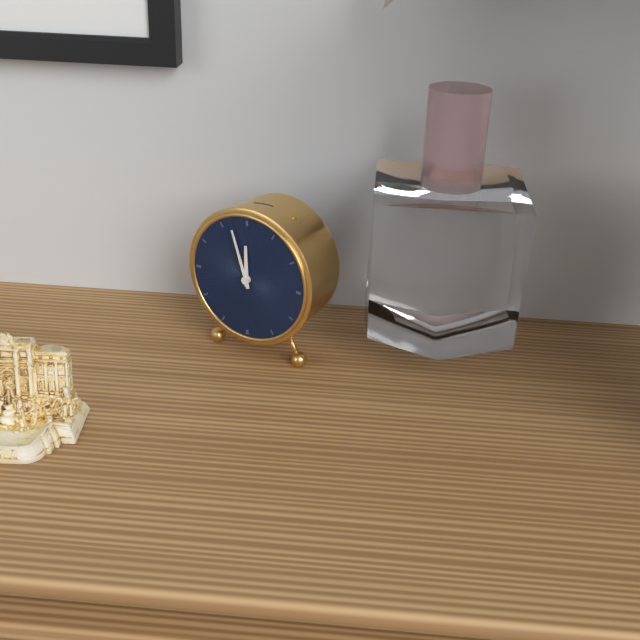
11h57
